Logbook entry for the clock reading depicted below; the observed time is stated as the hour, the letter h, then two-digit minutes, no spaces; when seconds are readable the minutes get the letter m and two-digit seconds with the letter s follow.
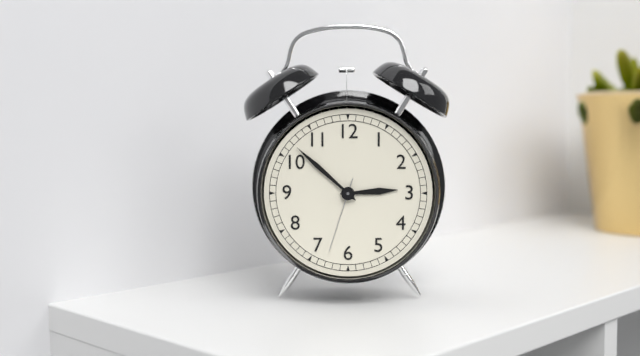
2h52m33s
